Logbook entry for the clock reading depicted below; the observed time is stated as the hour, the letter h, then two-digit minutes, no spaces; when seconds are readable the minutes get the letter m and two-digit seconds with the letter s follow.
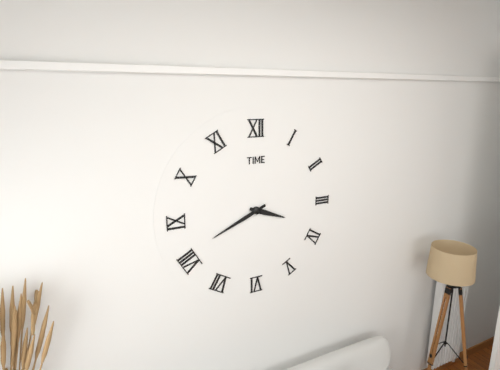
3h41
